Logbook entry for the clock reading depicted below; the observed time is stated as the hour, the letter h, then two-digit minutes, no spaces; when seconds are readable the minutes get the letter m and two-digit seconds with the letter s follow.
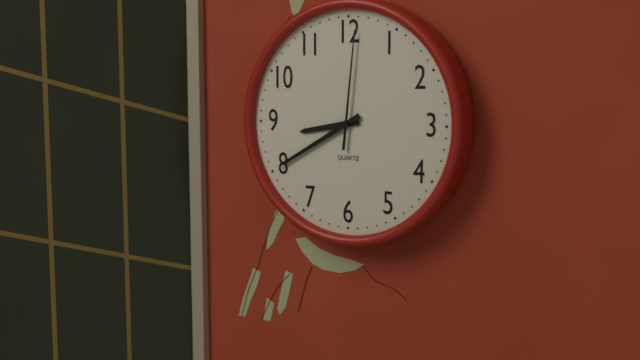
8h40m01s
